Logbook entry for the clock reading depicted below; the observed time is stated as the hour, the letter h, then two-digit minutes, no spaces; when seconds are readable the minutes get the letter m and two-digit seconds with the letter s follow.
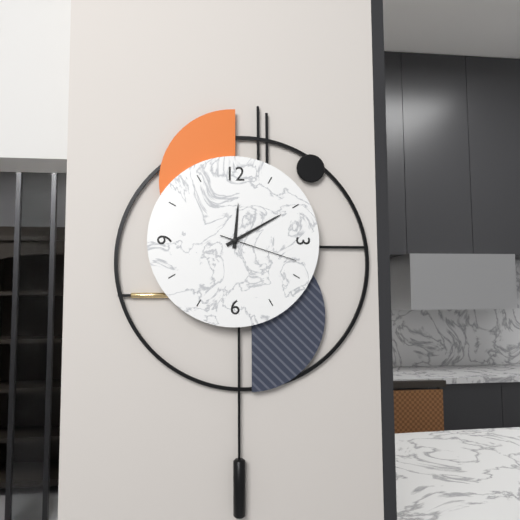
12h10m18s
